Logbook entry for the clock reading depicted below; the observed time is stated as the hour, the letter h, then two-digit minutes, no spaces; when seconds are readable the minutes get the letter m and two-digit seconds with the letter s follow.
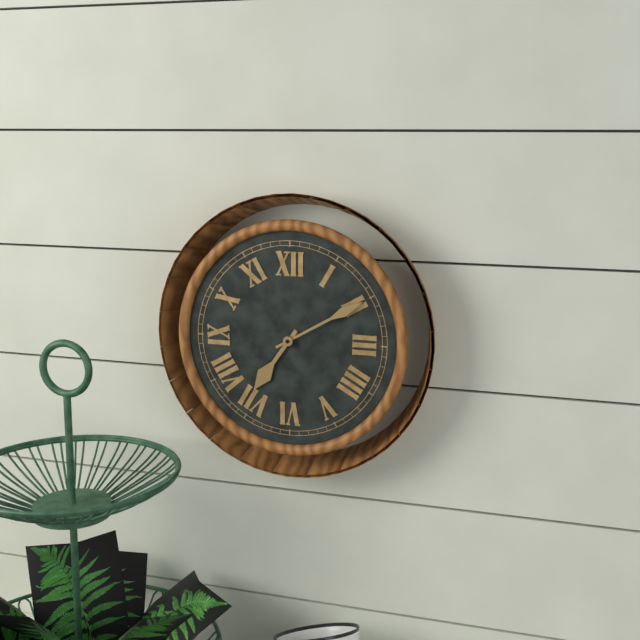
7h10
